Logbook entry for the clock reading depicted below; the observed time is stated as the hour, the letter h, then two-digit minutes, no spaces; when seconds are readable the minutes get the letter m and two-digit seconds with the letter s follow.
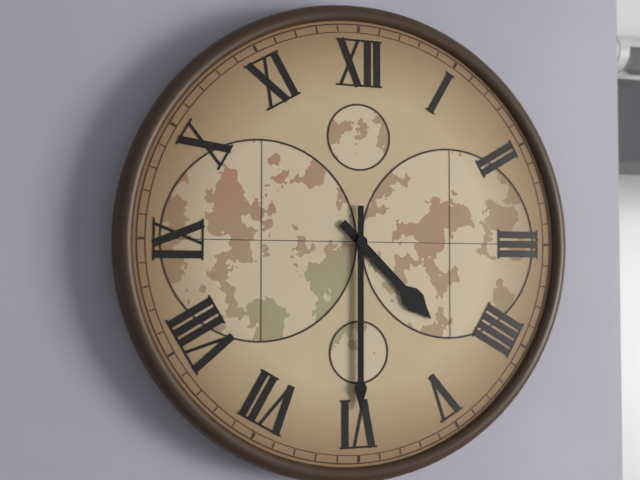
4h30
